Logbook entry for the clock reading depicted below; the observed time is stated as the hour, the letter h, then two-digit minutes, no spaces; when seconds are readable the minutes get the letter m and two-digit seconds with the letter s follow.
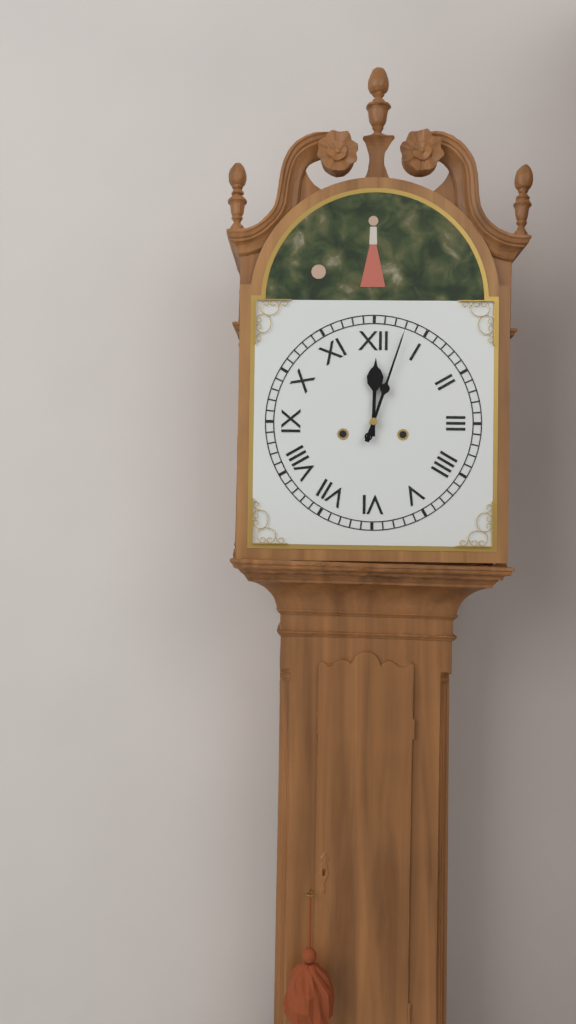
12h03
